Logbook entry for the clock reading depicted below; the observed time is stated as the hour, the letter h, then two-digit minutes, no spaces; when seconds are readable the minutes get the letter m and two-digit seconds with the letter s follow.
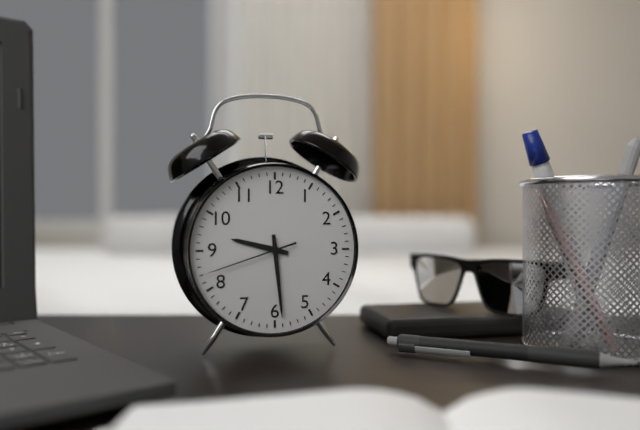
9h29m42s
